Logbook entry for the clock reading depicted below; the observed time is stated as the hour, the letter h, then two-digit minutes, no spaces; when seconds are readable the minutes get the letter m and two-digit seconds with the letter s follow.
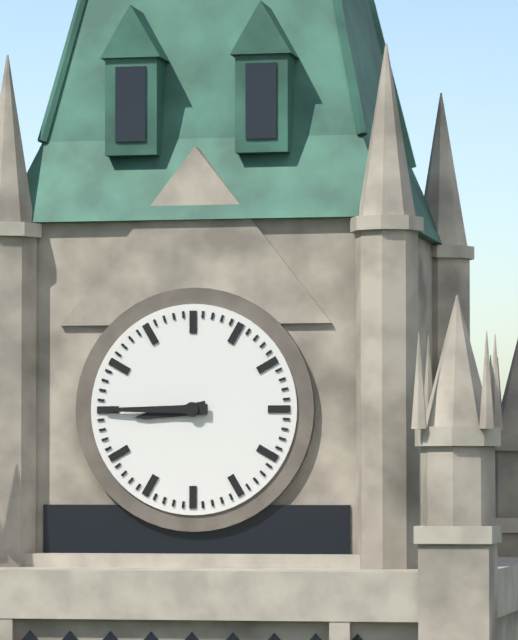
8h45
